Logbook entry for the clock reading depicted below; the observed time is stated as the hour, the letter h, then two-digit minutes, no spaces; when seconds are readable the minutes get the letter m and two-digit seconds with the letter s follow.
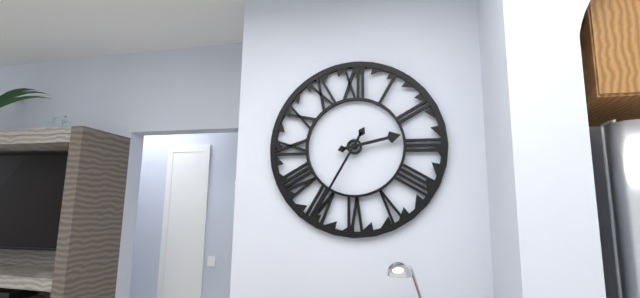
2h35
